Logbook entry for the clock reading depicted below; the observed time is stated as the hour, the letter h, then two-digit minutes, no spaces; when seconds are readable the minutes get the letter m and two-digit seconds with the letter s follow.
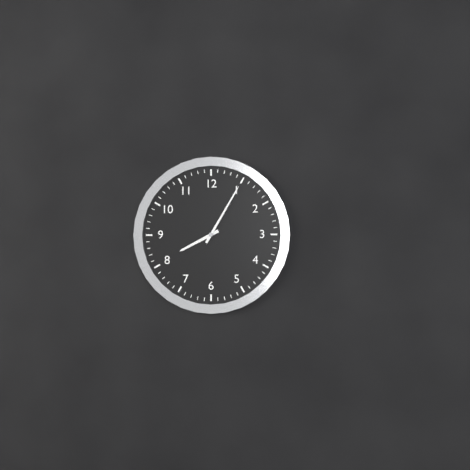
8h05
